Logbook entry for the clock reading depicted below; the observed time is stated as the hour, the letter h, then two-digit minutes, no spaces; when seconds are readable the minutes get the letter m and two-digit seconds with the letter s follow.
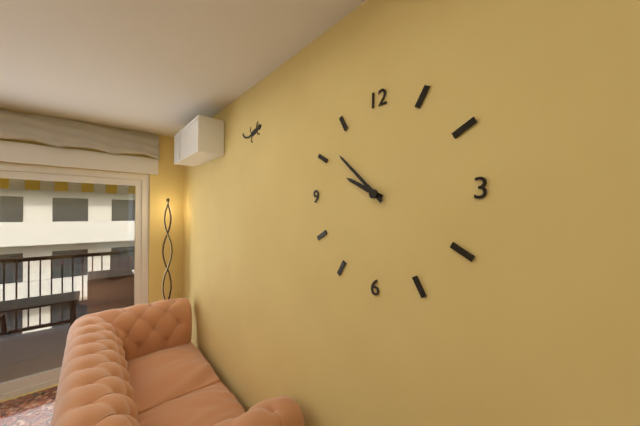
9h52
